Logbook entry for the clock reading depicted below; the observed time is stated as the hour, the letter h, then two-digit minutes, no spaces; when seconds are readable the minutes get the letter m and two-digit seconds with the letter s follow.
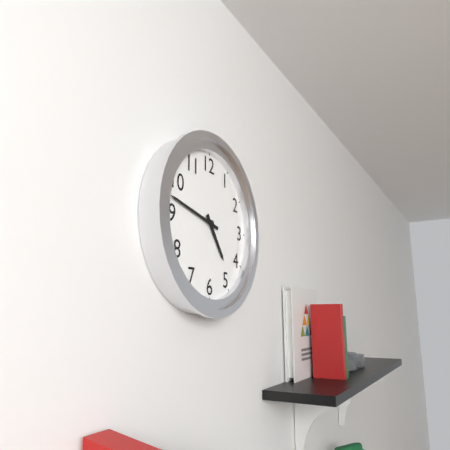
4h47
